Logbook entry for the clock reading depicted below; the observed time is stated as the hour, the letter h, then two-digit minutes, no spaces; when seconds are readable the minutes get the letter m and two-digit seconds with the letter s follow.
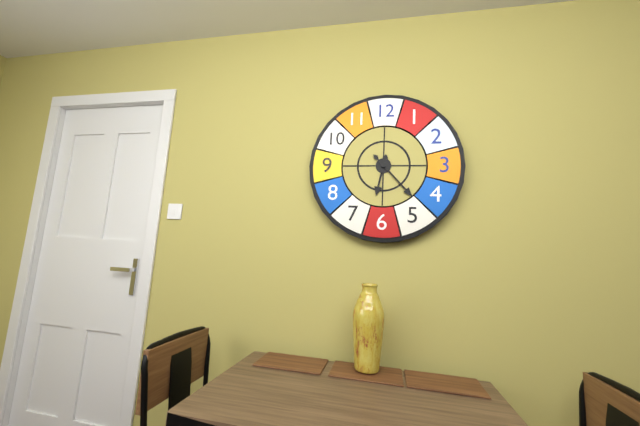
6h23
